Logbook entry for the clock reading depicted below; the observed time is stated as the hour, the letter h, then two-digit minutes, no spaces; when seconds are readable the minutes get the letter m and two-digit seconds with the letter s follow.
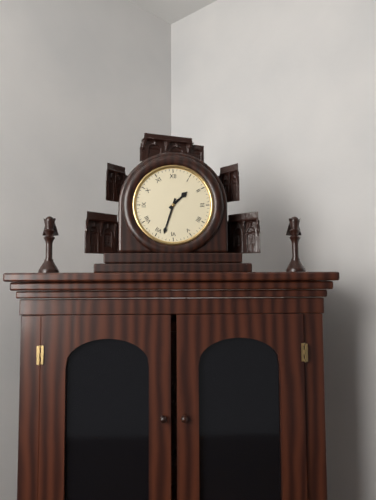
1h33
